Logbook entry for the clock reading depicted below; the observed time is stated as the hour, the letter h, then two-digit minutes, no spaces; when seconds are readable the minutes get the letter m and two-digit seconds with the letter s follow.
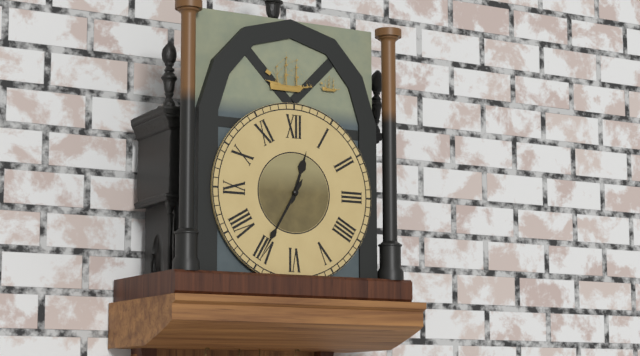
12h35
